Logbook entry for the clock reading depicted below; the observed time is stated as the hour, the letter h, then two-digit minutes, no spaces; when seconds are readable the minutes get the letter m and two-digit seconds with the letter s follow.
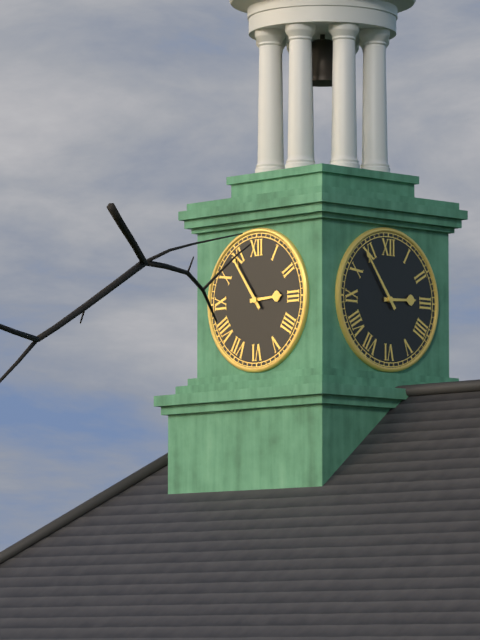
2h54
